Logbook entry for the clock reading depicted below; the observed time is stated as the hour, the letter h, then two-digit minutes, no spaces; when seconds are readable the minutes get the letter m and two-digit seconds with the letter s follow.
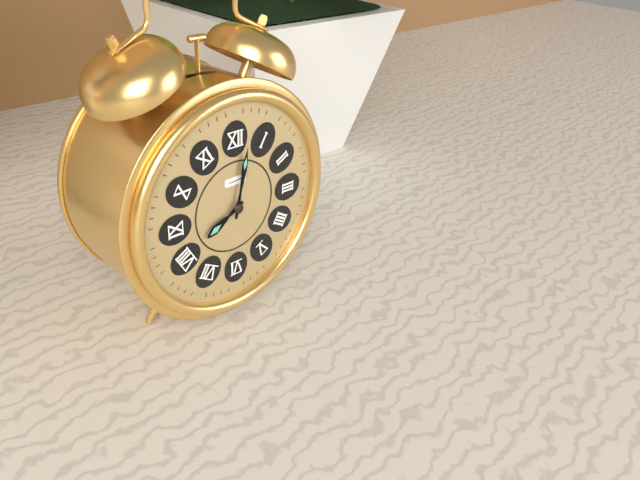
8h02
